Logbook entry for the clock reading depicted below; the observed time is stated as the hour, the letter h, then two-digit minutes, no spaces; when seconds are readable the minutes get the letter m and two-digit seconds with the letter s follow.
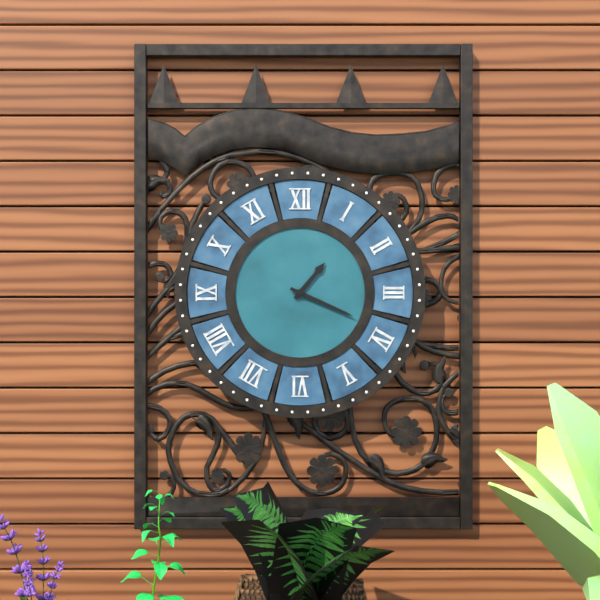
1h19
